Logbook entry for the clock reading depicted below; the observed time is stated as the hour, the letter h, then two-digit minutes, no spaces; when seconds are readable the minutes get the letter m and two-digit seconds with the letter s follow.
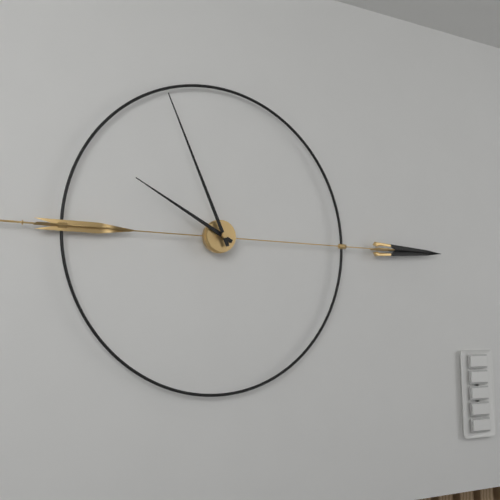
9h56
